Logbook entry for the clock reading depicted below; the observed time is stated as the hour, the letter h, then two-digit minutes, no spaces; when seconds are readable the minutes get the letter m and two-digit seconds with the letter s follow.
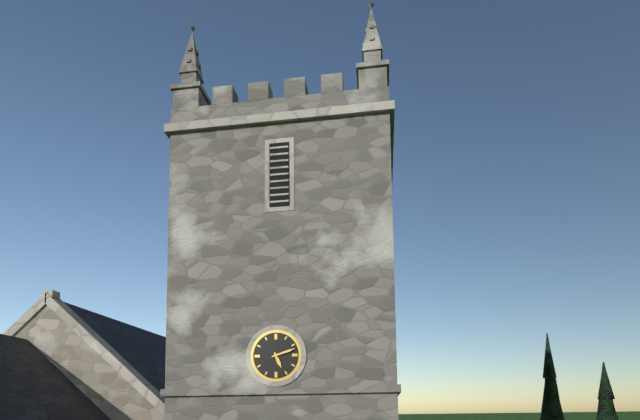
5h12
